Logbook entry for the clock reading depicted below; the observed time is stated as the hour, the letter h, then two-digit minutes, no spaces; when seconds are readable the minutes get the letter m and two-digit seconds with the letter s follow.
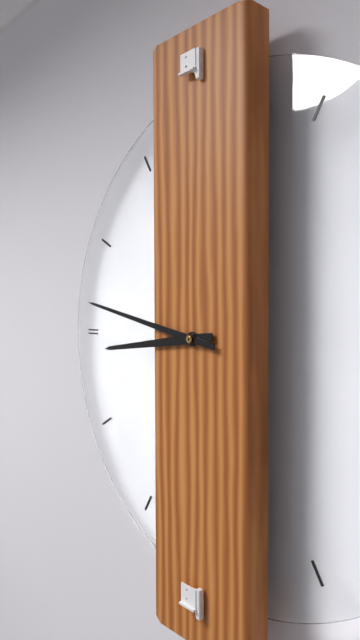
8h47
